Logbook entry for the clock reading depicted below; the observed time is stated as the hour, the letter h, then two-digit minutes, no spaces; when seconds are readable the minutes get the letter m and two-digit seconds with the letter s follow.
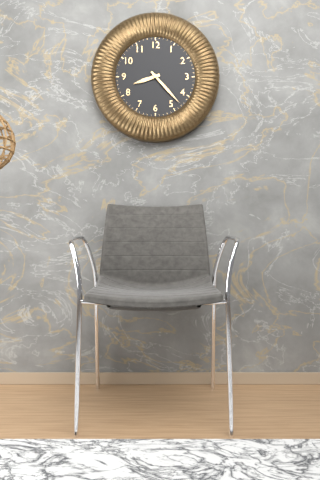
8h23
